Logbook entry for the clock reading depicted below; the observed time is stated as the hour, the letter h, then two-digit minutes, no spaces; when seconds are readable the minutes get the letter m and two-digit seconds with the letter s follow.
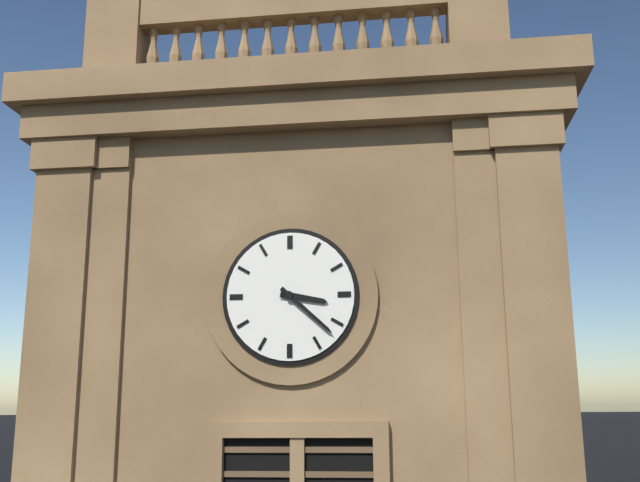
3h22
